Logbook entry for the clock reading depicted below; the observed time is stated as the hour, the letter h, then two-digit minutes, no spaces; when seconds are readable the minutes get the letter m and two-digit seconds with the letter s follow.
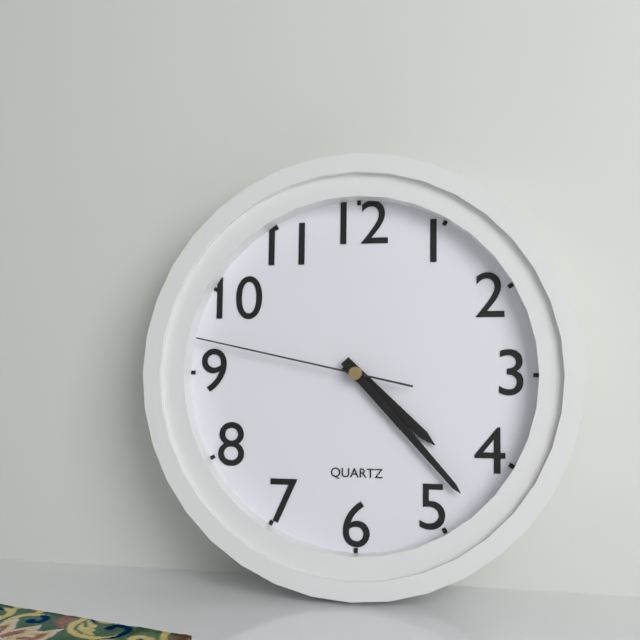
4h23m47s
